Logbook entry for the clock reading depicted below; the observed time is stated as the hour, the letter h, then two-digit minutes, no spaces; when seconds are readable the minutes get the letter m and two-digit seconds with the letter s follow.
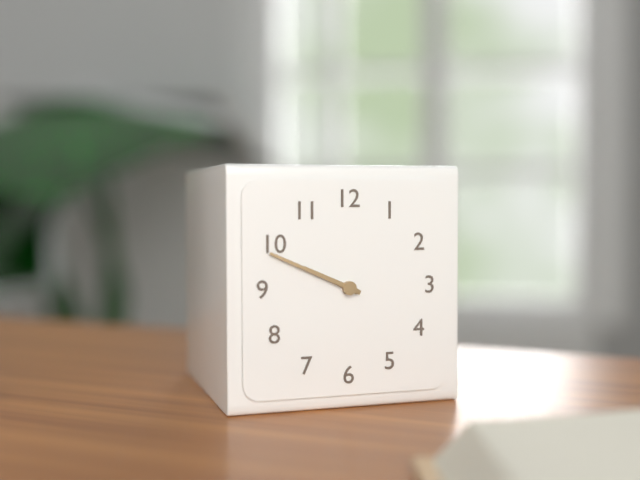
9h49
